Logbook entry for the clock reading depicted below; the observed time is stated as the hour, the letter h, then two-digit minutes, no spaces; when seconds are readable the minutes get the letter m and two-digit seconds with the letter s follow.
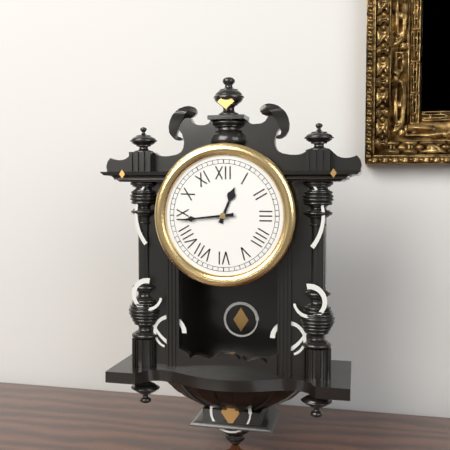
12h44
